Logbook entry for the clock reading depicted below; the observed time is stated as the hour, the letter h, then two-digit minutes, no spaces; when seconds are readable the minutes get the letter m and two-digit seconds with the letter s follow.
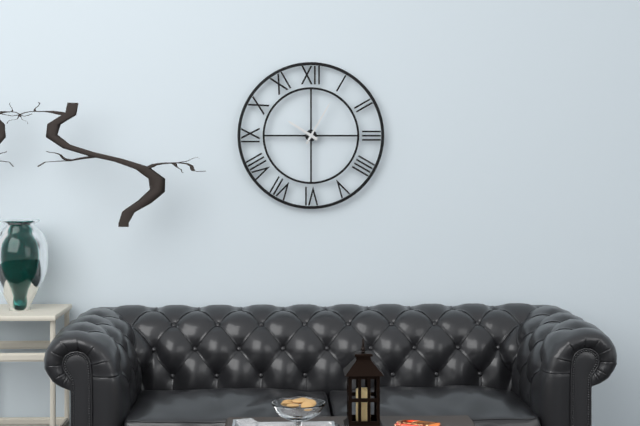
10h05
